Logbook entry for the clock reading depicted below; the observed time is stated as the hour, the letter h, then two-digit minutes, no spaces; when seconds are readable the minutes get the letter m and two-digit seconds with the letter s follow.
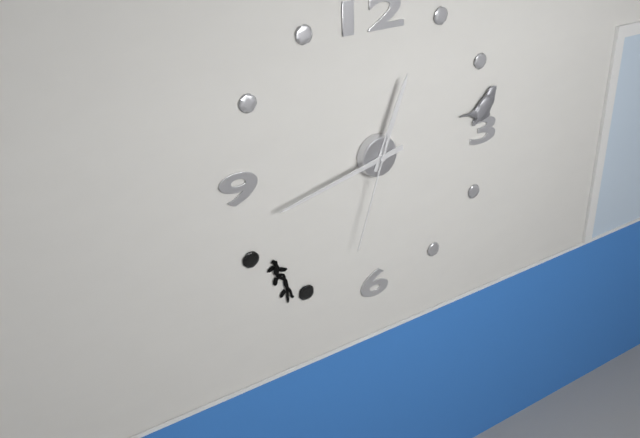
12h43m33s
